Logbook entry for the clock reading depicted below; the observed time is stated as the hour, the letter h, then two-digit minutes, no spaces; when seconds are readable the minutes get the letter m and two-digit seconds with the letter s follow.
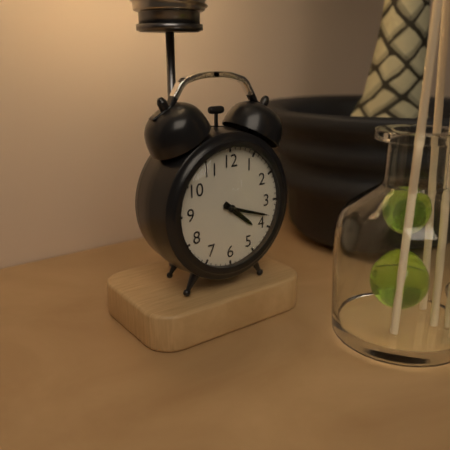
4h18
